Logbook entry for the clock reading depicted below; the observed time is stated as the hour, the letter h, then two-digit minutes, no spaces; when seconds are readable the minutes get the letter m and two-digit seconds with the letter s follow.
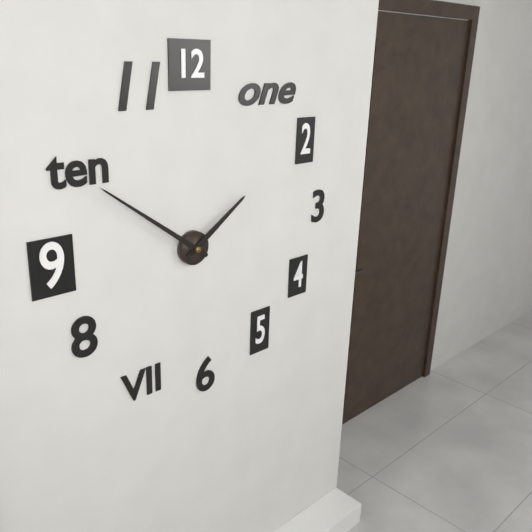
1h51
